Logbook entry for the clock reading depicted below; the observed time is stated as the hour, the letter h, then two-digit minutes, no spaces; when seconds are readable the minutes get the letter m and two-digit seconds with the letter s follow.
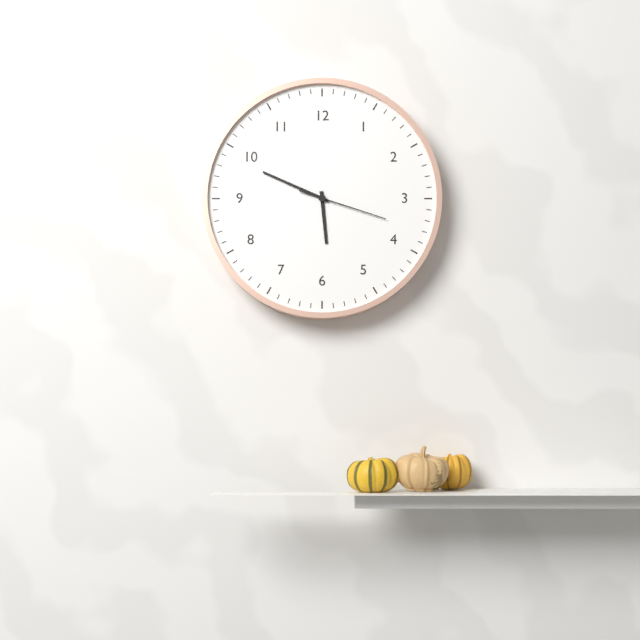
5h49m18s
